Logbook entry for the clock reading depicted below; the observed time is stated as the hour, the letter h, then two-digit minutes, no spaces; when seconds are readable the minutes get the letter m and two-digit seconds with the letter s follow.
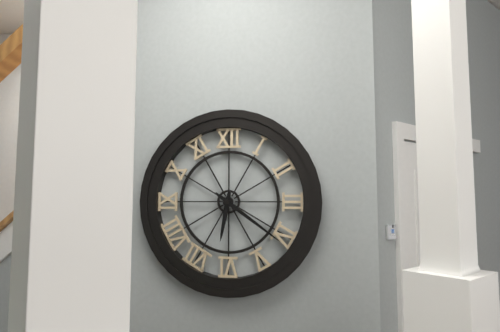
6h21
